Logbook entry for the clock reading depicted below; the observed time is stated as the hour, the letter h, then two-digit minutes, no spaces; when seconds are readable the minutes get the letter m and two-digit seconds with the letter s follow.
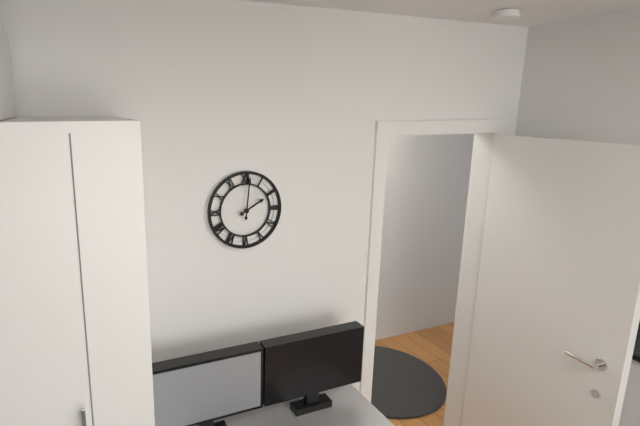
2h01
